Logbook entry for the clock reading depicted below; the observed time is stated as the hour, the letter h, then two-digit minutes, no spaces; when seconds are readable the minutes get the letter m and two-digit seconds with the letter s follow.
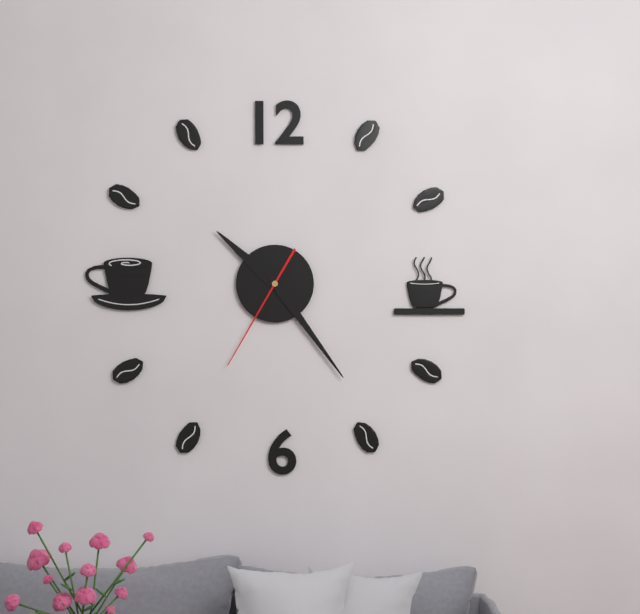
10h24m35s
